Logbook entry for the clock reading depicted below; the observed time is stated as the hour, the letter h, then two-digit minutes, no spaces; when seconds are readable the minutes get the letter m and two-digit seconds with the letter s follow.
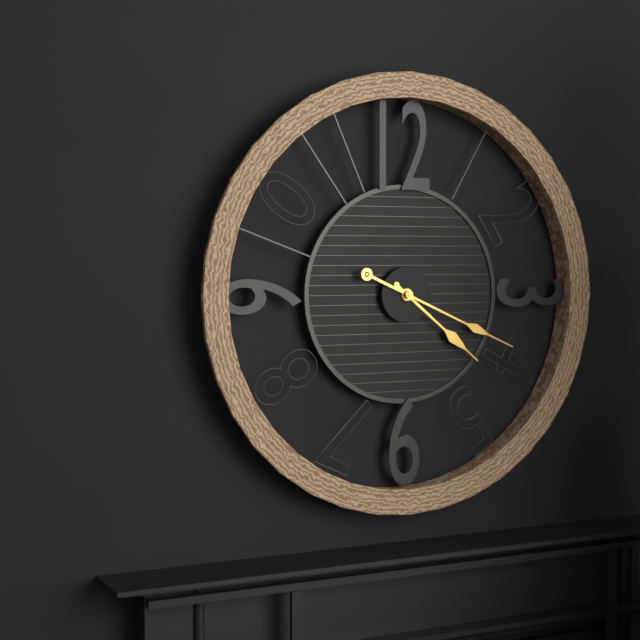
4h19
